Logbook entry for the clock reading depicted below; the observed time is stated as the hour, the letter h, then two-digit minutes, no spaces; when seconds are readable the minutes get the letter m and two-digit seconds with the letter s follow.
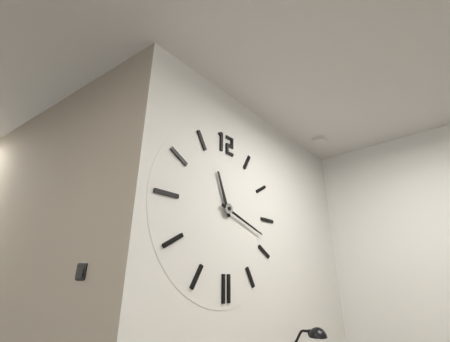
11h18
